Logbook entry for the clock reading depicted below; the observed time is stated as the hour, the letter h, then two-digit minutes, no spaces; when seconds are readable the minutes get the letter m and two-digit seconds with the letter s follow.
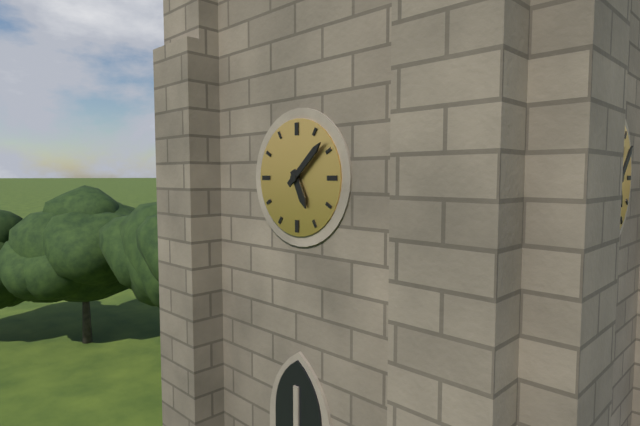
5h08
